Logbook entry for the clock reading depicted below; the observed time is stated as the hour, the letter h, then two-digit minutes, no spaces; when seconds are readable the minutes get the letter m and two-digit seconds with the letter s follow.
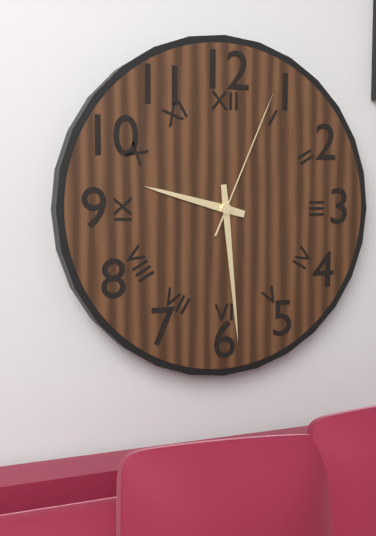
9h29m04s
